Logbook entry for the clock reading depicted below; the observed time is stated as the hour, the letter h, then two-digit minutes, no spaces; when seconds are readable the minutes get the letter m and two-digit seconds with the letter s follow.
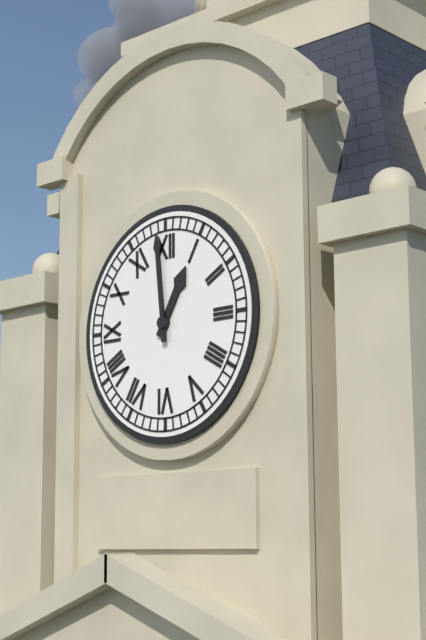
12h59
